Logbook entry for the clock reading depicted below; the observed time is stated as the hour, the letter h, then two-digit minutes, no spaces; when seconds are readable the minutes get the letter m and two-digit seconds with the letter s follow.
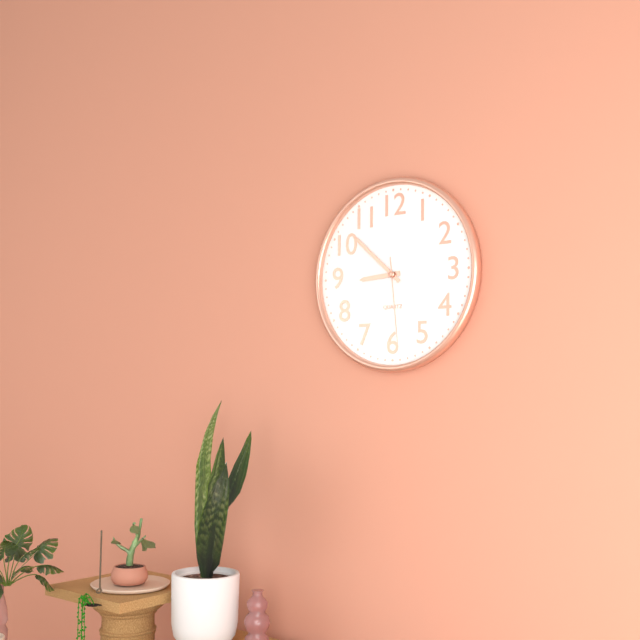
8h52m29s
